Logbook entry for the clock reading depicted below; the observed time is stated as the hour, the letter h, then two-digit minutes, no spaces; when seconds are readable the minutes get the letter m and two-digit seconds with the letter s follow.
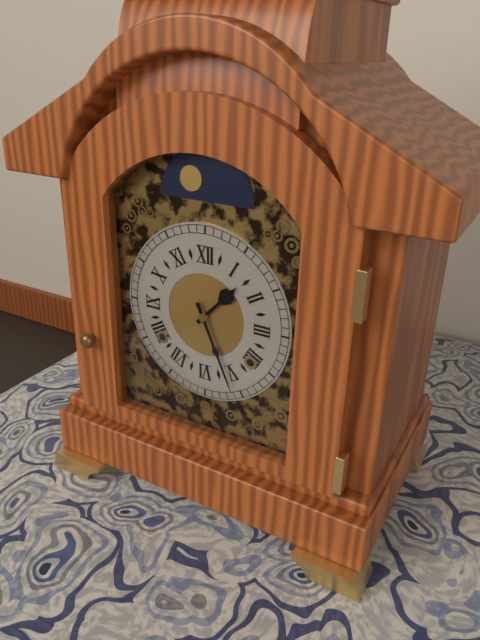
1h26
